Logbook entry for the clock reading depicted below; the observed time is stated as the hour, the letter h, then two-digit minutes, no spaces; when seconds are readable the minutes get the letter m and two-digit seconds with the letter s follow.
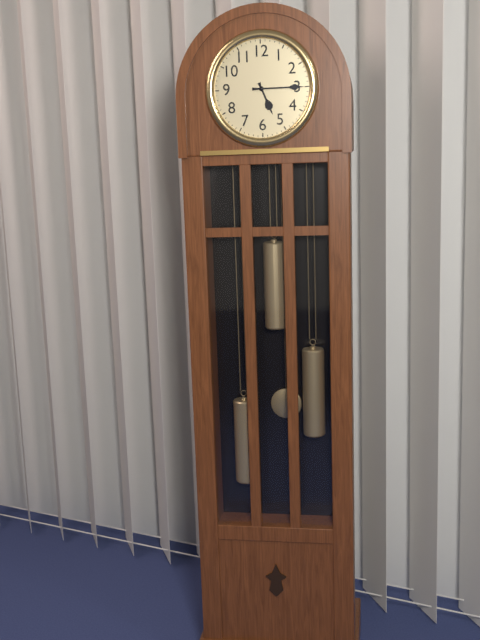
5h15
